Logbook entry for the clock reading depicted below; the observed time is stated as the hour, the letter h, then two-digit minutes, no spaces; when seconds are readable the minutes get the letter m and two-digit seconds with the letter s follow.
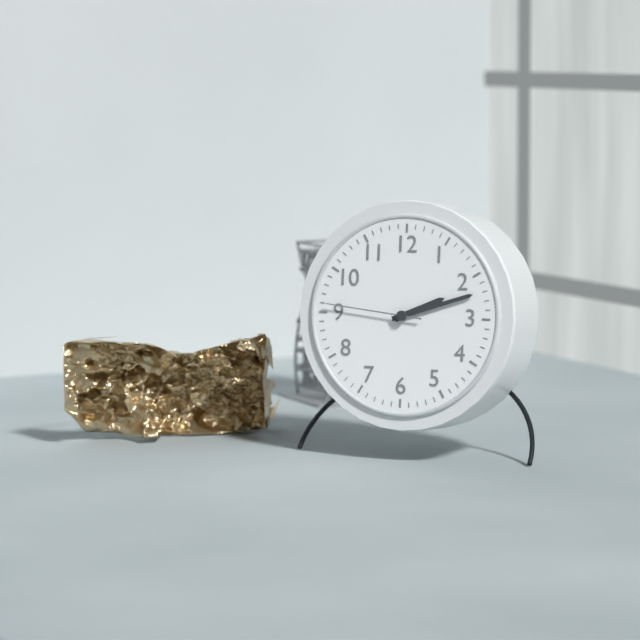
2h12m46s
